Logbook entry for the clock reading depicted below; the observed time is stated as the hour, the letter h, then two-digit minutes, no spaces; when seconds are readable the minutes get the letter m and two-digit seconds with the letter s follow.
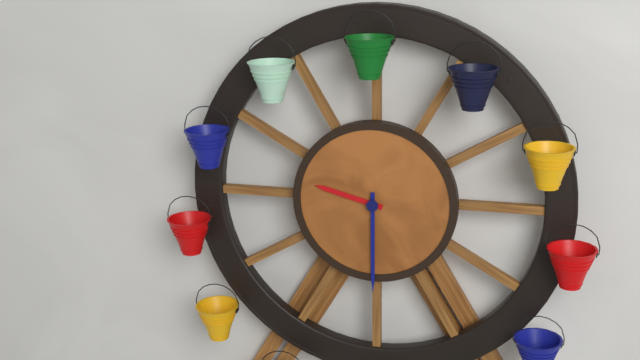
9h30
